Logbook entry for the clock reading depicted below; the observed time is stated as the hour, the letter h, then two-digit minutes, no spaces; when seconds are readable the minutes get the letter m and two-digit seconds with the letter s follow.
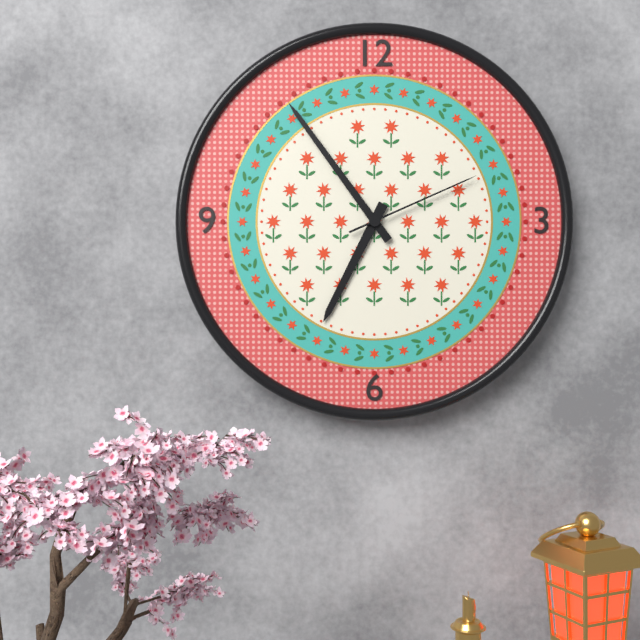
6h54m11s
